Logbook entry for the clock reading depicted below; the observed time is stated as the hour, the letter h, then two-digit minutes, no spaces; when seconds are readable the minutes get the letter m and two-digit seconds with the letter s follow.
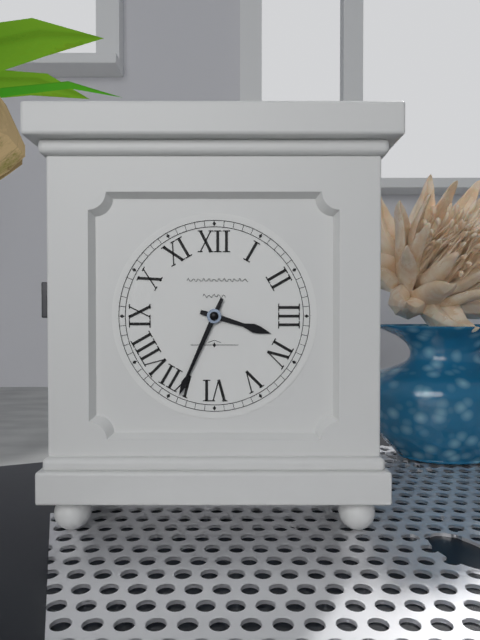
3h34
